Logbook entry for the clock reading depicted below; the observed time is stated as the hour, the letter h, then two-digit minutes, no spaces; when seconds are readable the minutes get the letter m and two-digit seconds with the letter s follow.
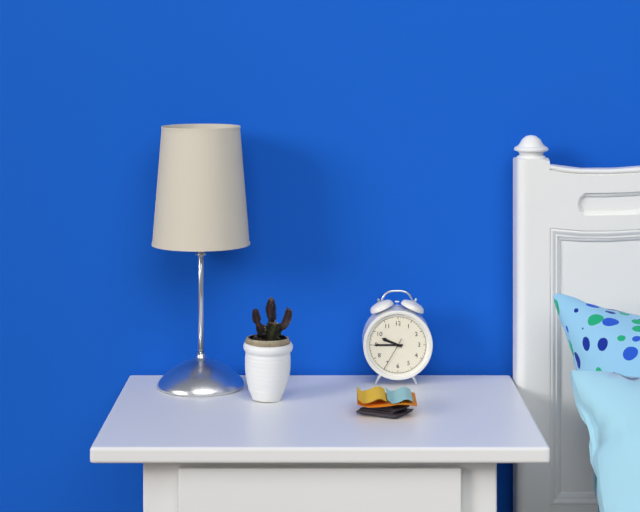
9h45
